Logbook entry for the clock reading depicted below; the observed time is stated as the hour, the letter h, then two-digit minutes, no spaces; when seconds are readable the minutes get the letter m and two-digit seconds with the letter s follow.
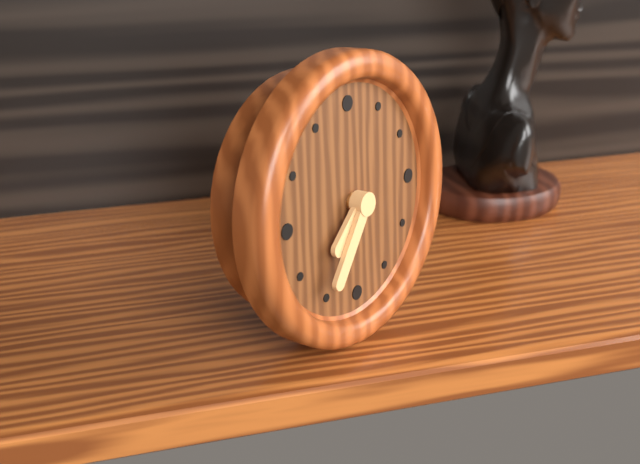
7h36
